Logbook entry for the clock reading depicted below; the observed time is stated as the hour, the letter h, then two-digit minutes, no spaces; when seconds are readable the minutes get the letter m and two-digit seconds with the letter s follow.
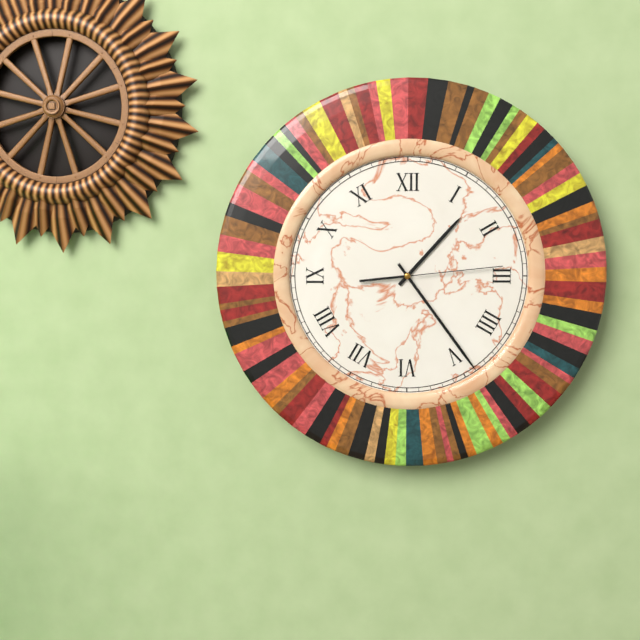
1h24m14s
